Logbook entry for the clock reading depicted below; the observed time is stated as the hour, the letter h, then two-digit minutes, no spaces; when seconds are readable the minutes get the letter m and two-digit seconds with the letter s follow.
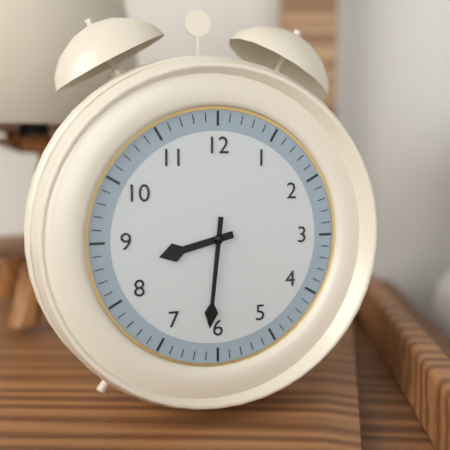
8h31
